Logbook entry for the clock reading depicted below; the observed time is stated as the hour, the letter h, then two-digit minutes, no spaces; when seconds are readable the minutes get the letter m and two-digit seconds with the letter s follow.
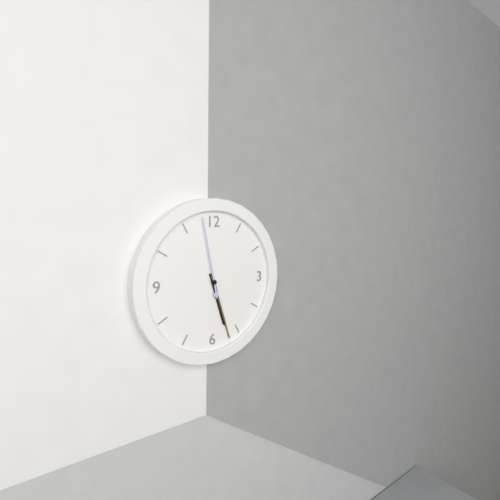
5h27m58s
